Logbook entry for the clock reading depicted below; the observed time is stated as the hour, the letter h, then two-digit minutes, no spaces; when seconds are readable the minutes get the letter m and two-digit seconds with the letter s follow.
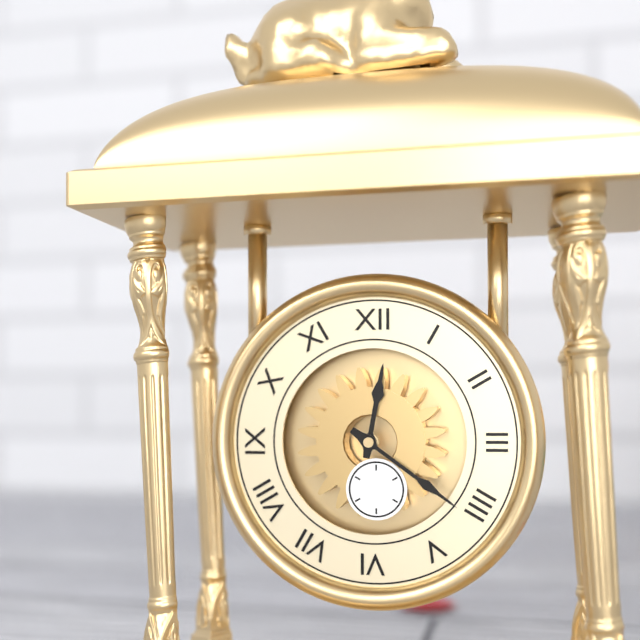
12h21
